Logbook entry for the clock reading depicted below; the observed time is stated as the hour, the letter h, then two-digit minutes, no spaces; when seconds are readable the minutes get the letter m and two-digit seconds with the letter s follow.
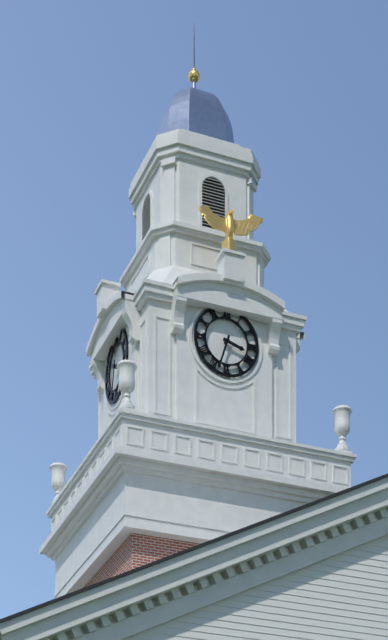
3h33
